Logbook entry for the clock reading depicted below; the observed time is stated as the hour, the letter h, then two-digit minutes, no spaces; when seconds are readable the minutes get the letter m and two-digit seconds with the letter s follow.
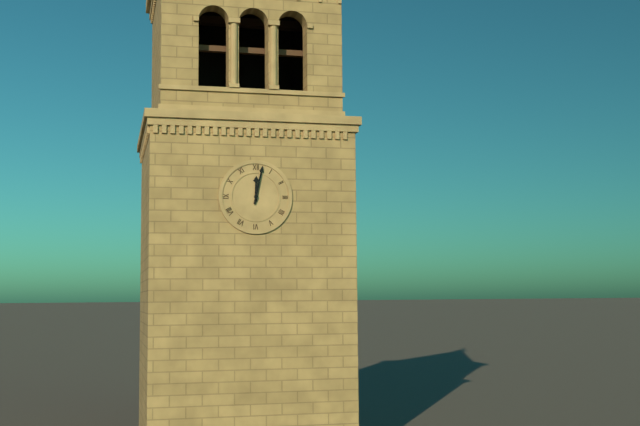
12h02
